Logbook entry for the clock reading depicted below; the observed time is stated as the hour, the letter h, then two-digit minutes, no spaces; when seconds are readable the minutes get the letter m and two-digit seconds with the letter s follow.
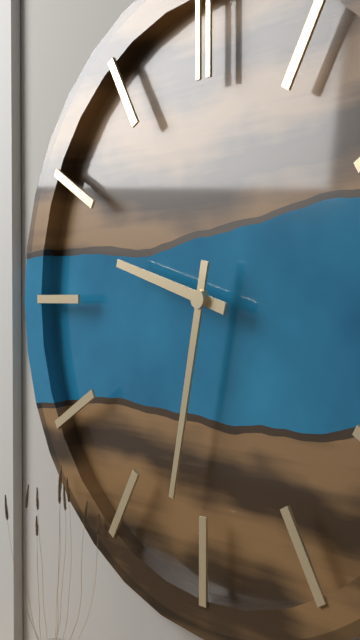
9h32
